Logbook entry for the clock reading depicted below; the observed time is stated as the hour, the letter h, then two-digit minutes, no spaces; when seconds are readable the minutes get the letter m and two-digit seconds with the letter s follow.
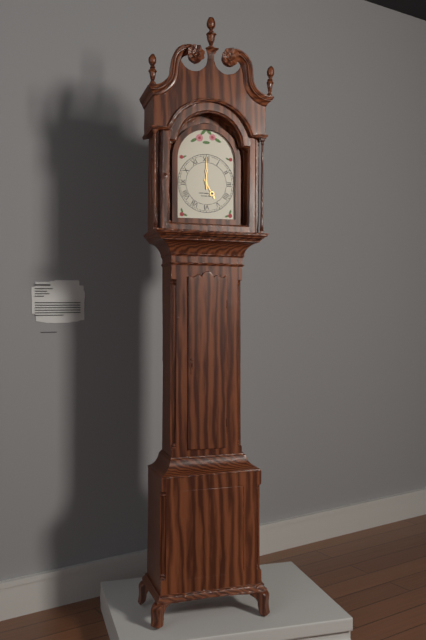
5h00
